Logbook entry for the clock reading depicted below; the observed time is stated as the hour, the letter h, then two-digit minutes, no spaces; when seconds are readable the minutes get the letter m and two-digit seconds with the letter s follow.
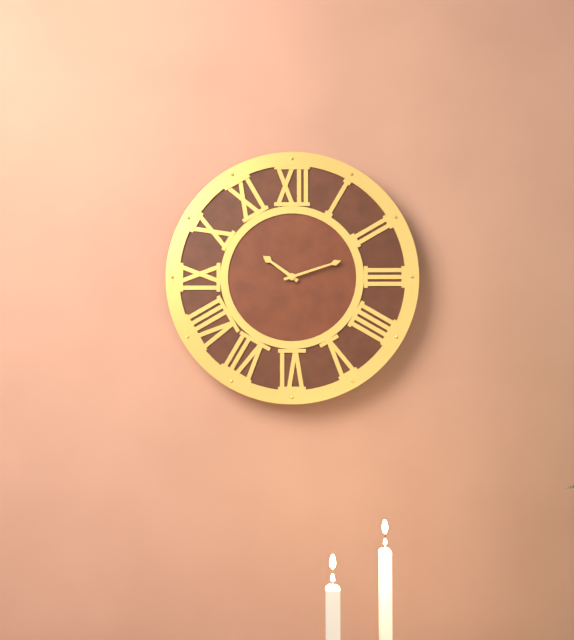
10h12
